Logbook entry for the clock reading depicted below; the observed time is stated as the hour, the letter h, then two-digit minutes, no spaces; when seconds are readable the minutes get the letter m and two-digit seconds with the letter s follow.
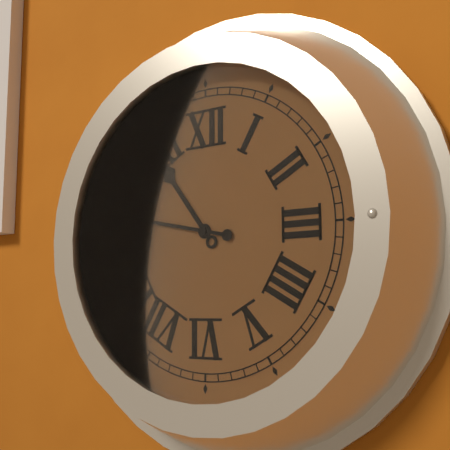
10h47
